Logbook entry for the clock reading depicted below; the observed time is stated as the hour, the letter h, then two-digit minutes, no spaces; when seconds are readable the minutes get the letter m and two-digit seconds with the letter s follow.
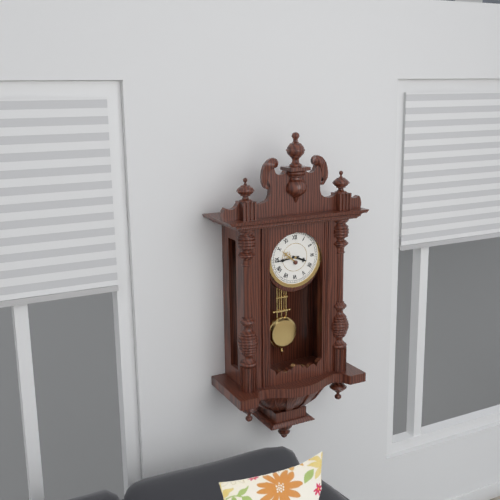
3h44
